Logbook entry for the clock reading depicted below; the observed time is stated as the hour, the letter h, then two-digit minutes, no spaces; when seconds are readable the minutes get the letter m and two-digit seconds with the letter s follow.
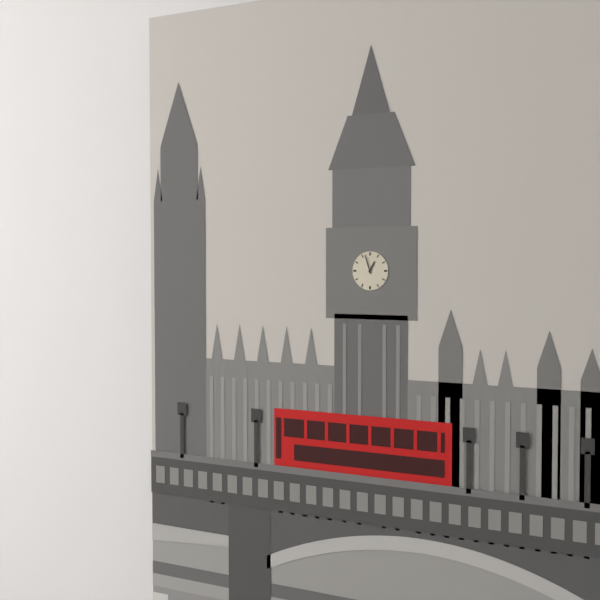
12h57
